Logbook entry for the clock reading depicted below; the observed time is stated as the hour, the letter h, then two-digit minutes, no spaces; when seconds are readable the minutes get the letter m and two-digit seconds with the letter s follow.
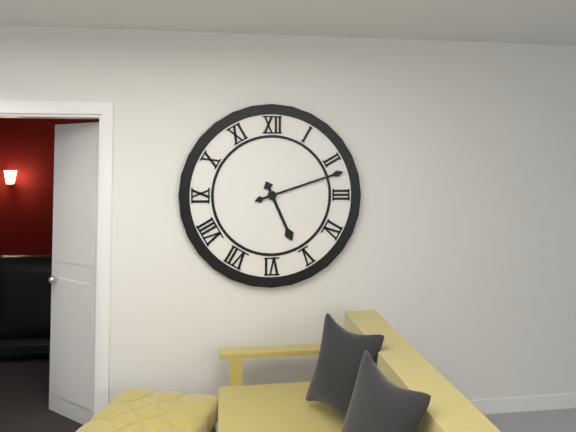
5h12
